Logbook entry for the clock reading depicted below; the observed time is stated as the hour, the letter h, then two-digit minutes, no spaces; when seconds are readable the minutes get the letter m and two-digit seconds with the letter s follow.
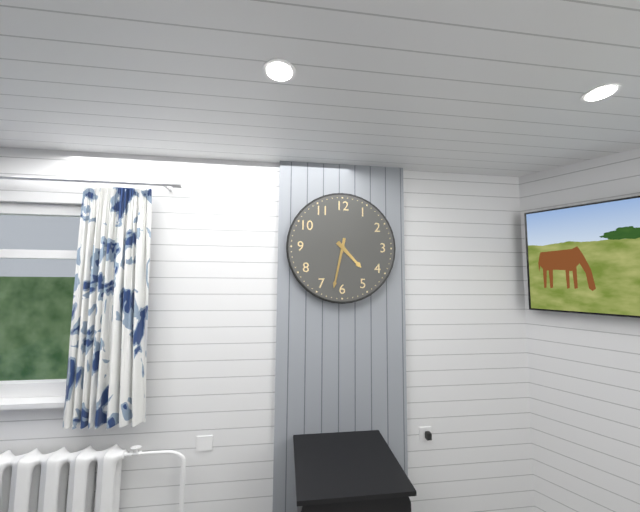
4h32
